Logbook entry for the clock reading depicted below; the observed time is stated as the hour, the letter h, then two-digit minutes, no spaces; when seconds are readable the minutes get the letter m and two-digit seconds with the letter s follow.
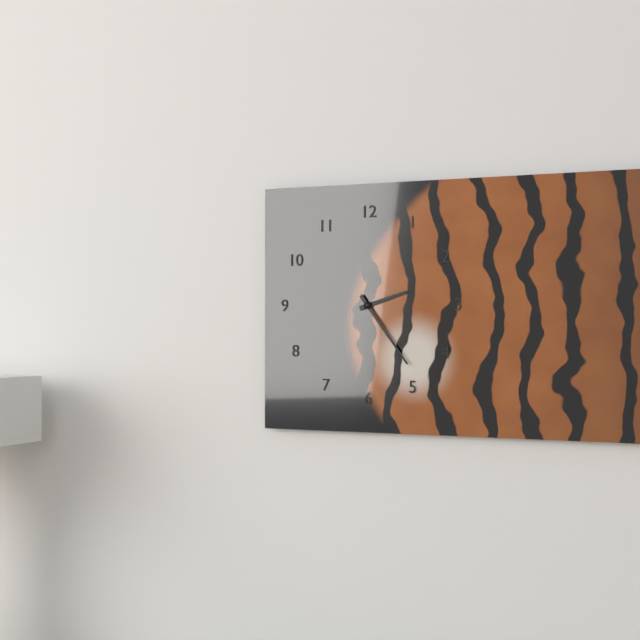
2h24
